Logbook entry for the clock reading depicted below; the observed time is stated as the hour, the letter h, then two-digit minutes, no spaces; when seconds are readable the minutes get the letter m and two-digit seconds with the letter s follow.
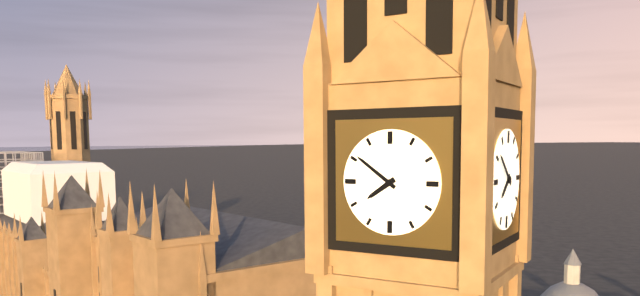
7h51
